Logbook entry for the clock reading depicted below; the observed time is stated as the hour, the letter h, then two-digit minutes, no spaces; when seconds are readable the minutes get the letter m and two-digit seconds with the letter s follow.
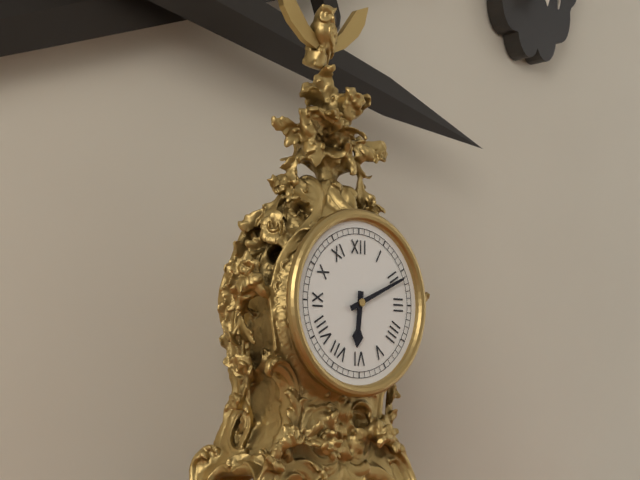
6h11
